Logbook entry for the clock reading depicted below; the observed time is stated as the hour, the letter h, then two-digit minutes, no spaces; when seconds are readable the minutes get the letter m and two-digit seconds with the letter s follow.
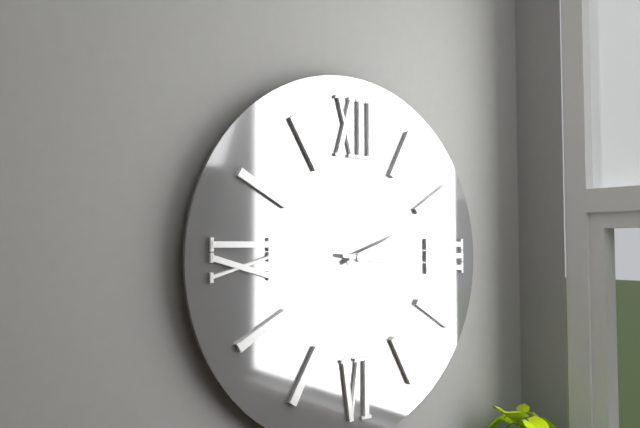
2h16
